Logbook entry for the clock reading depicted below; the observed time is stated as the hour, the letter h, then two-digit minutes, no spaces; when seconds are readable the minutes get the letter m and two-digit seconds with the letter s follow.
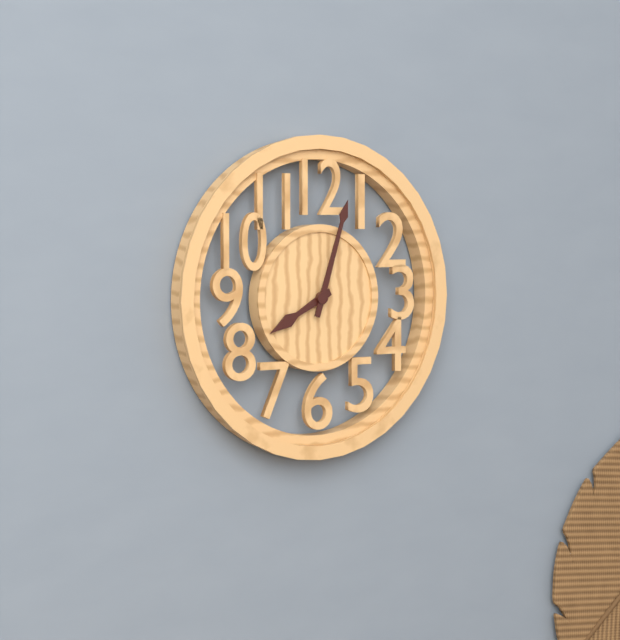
8h03
